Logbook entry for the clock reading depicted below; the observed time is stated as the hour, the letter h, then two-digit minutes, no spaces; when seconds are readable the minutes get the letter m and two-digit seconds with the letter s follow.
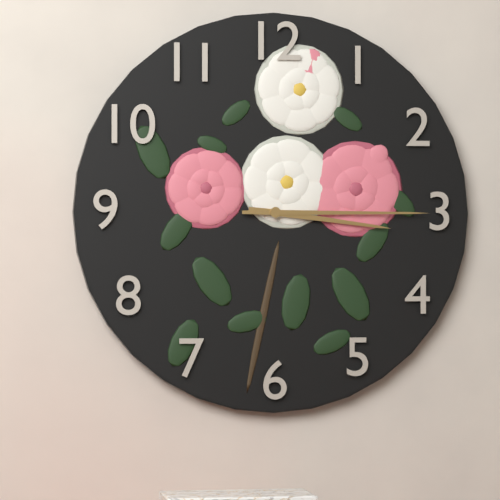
3h15
